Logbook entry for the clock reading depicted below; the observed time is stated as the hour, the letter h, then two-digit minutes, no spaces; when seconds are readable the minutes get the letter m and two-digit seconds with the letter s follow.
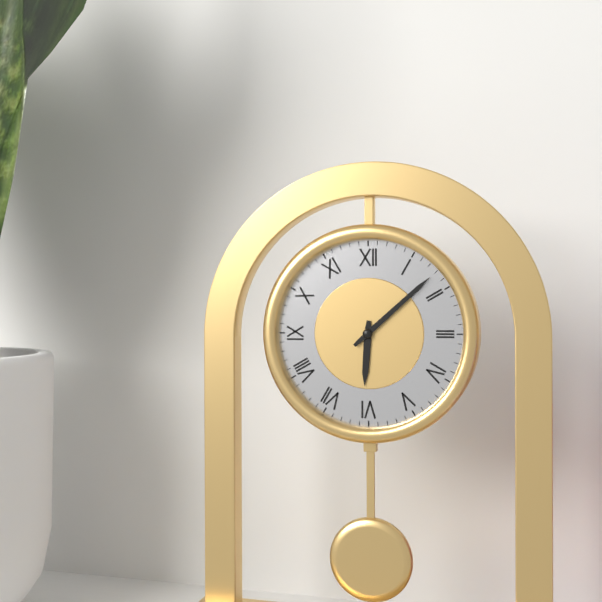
6h08
